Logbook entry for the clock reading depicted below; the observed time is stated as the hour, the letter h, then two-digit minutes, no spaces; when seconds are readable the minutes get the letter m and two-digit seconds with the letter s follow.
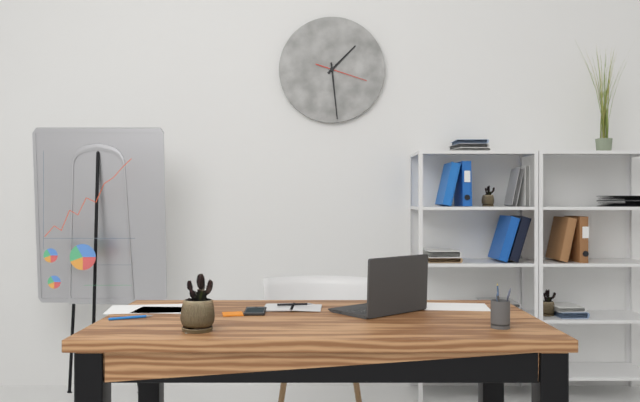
1h29
